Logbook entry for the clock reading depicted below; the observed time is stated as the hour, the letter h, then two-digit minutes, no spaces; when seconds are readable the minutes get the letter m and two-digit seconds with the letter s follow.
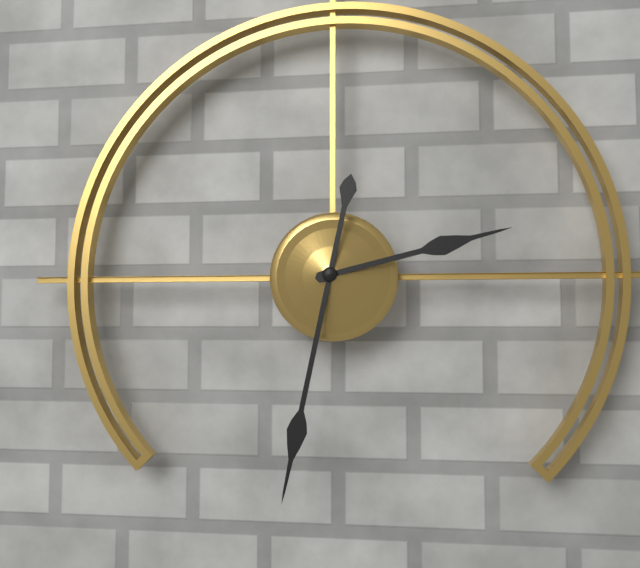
2h32
